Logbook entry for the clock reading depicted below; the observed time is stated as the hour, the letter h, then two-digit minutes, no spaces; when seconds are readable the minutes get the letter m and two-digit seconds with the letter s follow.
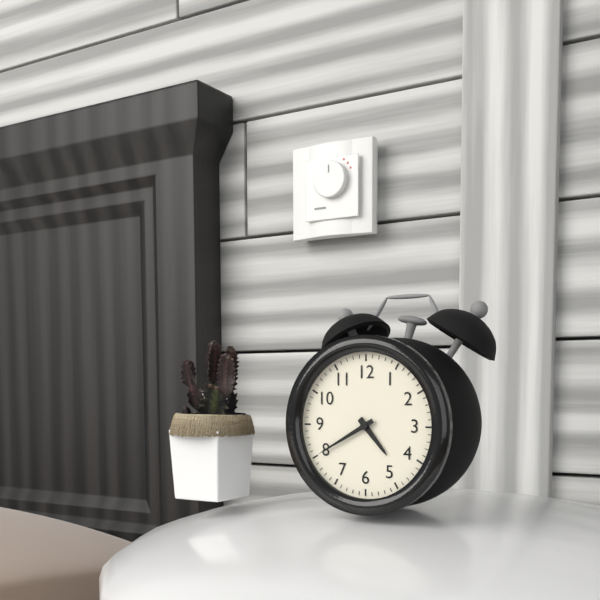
4h40
